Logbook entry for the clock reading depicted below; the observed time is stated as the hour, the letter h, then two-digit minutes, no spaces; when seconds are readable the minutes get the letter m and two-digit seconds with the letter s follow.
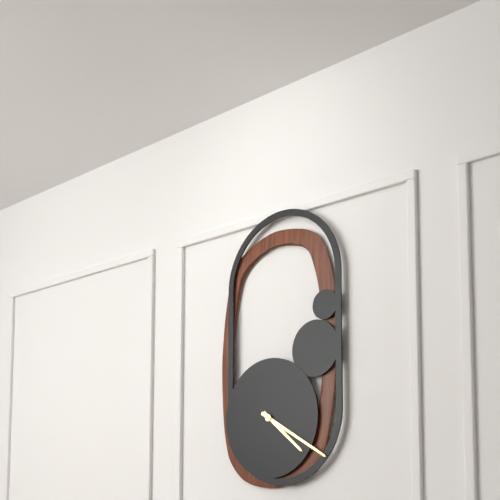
4h20
